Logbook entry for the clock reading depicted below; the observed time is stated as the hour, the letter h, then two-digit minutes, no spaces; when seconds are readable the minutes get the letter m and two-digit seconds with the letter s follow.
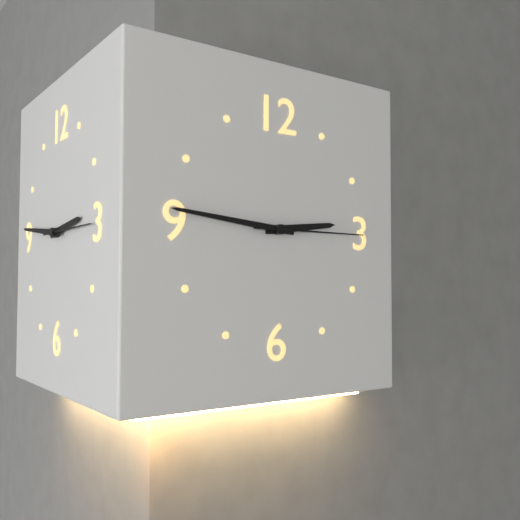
2h46m15s
